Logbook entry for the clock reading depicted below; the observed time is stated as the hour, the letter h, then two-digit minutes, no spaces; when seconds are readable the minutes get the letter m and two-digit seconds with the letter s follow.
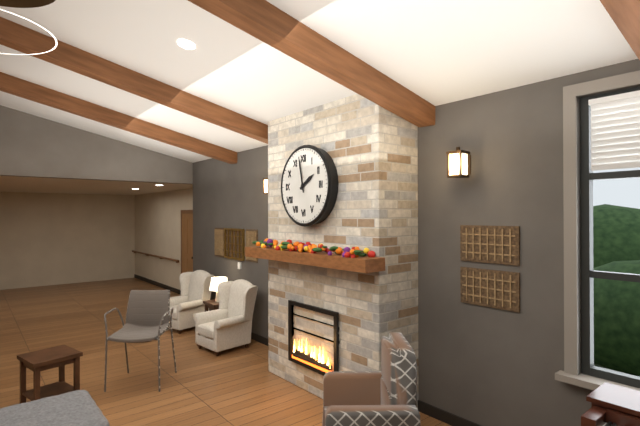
1h58
